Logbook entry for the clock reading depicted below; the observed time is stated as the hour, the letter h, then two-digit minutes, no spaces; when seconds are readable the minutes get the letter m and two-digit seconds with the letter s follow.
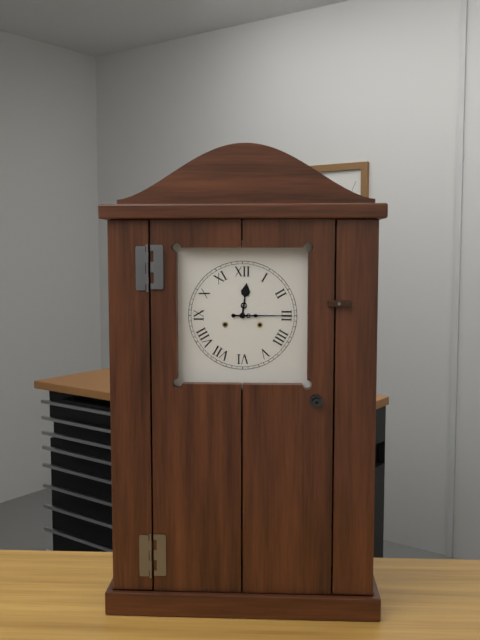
12h15
